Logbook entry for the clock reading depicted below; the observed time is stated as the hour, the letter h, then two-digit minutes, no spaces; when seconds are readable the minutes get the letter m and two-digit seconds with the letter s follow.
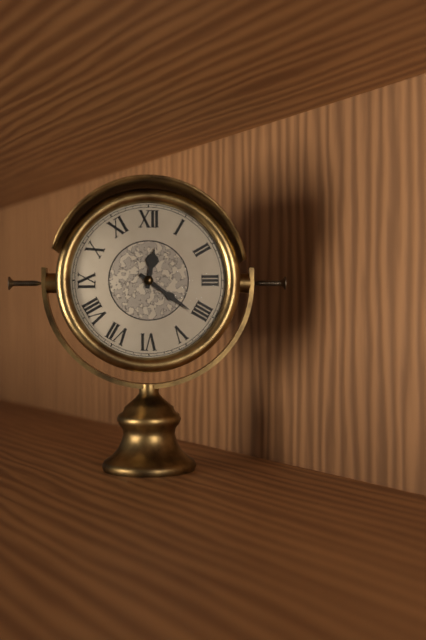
12h21
